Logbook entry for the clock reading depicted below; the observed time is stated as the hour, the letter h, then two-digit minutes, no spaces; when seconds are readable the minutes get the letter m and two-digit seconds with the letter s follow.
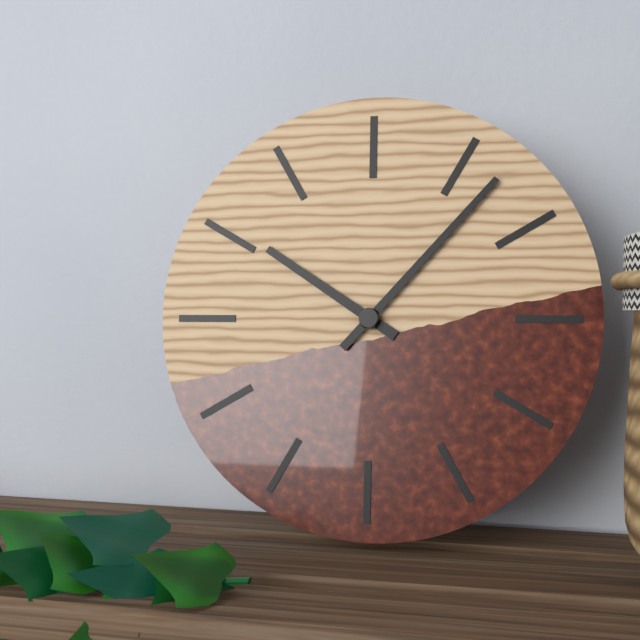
10h07
